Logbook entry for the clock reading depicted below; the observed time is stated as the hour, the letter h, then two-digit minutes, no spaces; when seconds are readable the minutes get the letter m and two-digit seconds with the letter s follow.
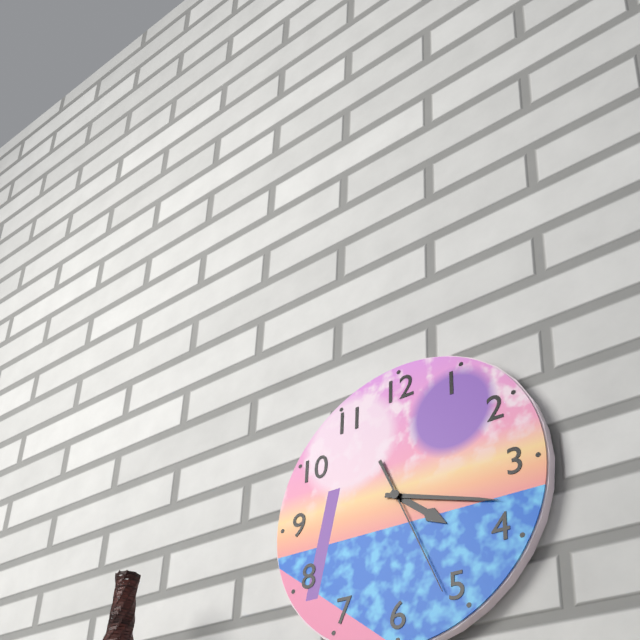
4h18m26s
